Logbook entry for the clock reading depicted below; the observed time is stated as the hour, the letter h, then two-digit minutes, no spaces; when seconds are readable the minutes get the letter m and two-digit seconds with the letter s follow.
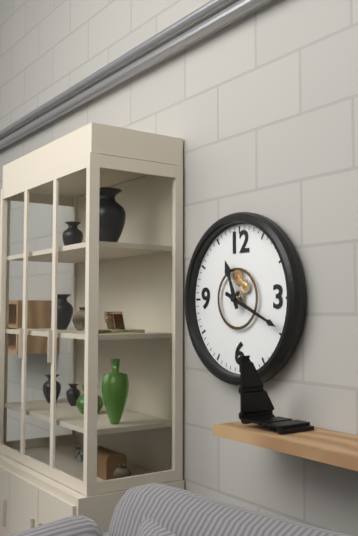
11h19
